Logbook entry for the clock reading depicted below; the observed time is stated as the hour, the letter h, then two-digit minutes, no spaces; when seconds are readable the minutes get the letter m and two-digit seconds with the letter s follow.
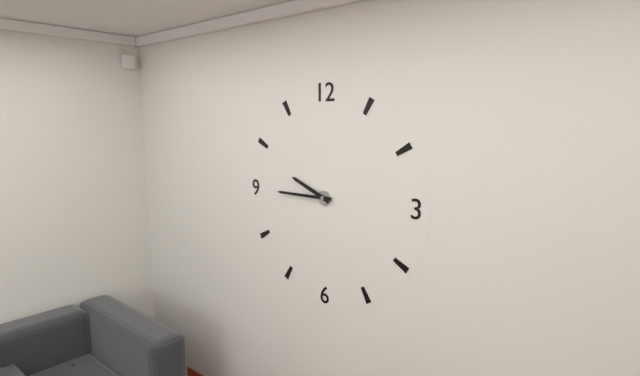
9h45
